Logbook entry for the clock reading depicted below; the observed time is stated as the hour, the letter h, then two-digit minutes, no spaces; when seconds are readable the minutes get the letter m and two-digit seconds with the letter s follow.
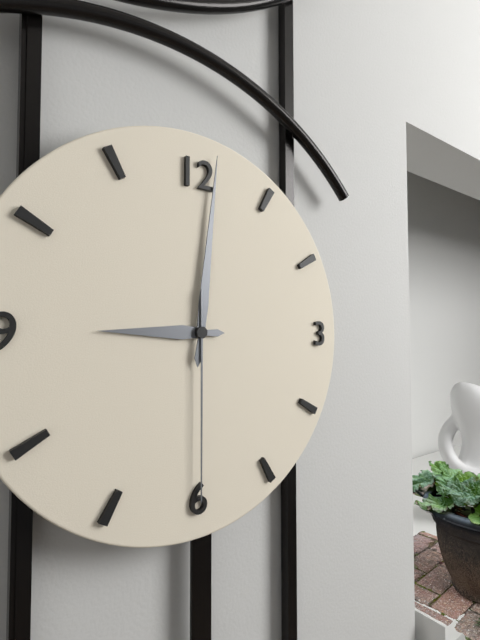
9h01m30s
